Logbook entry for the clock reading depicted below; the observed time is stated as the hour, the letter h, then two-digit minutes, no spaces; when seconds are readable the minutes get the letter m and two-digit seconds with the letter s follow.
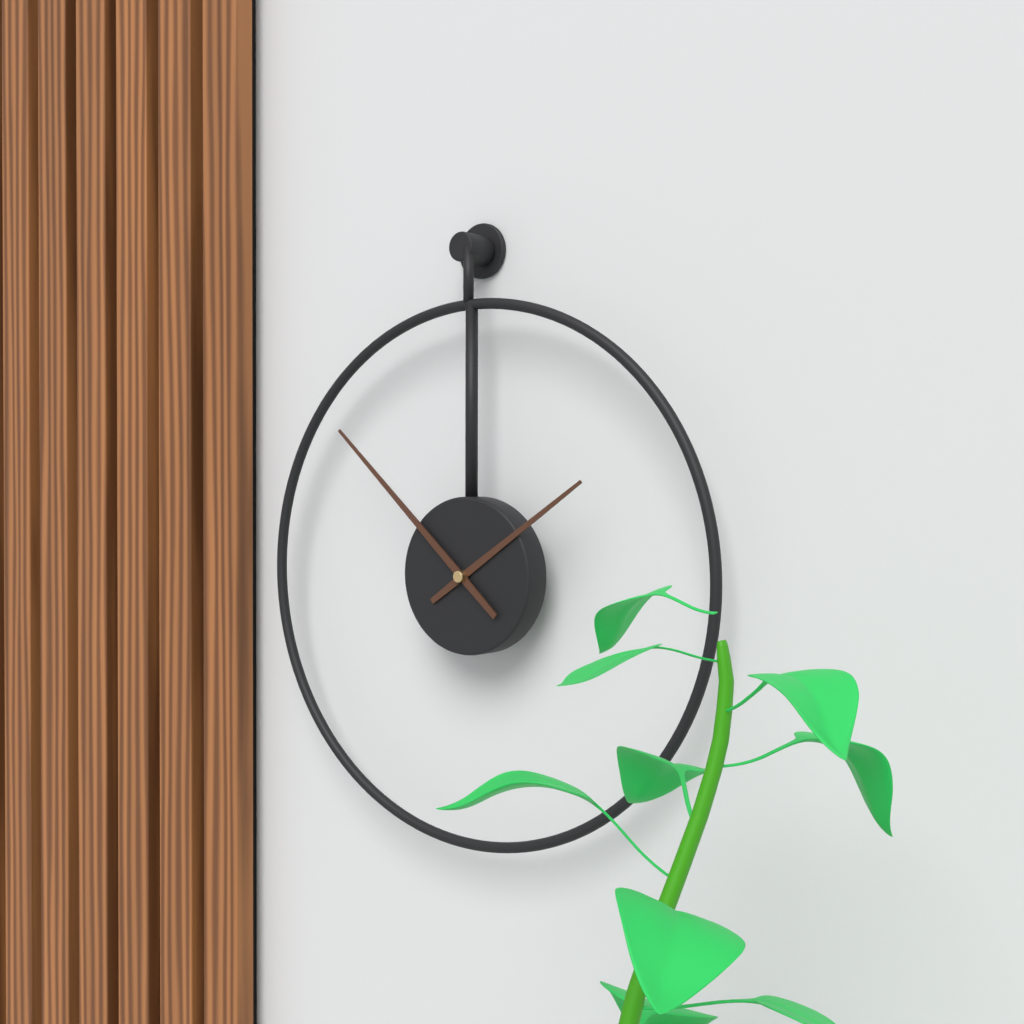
1h52
